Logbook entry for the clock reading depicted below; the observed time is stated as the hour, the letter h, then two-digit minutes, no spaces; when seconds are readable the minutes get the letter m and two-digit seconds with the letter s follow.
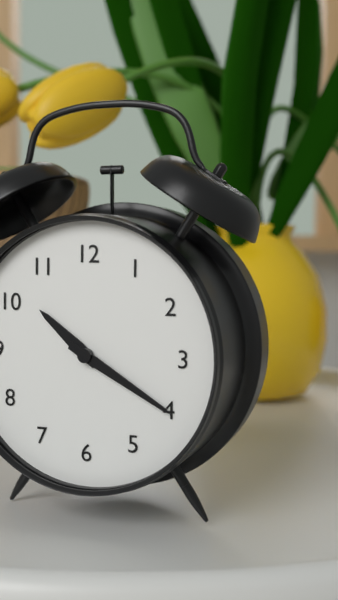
10h20
